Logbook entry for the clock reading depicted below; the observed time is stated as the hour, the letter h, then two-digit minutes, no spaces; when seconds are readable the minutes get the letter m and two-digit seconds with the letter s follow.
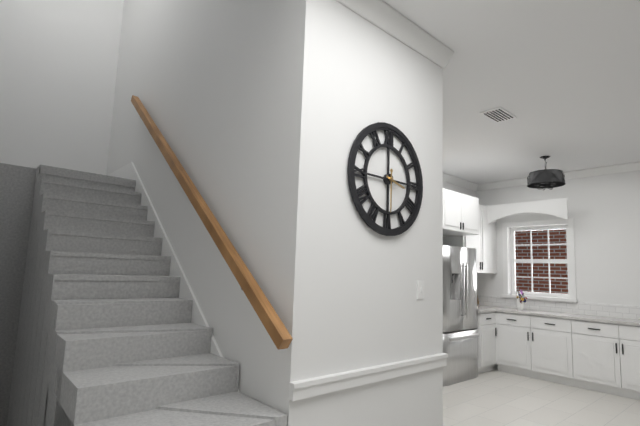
3h30
